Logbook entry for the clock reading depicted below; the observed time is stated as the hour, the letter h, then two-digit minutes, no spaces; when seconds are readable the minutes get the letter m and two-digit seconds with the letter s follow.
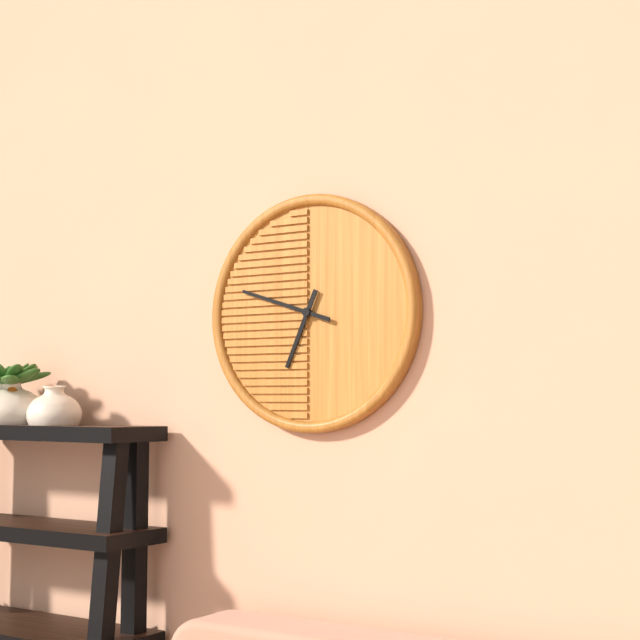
6h48
